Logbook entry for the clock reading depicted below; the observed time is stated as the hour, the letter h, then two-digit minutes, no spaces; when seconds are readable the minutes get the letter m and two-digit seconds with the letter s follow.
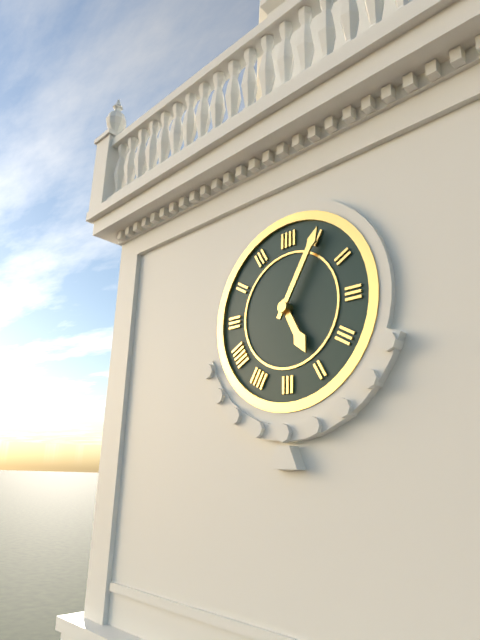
5h05
